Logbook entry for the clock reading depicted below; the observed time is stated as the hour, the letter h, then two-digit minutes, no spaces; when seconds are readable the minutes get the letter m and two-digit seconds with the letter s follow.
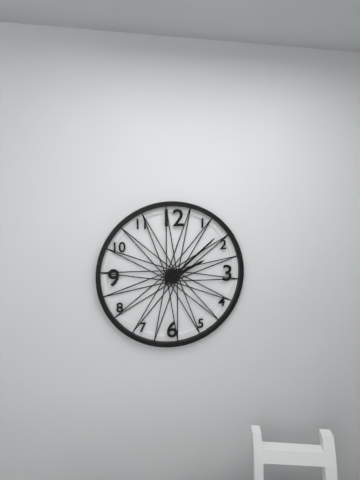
2h08
